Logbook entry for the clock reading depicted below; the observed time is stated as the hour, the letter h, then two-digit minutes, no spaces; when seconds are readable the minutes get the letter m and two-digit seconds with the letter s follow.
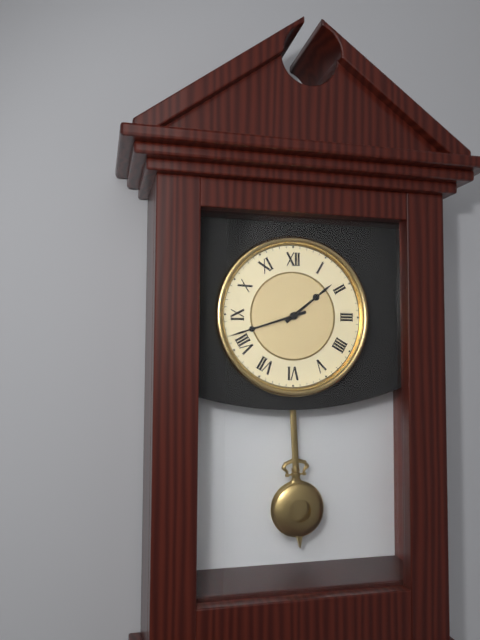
1h42
